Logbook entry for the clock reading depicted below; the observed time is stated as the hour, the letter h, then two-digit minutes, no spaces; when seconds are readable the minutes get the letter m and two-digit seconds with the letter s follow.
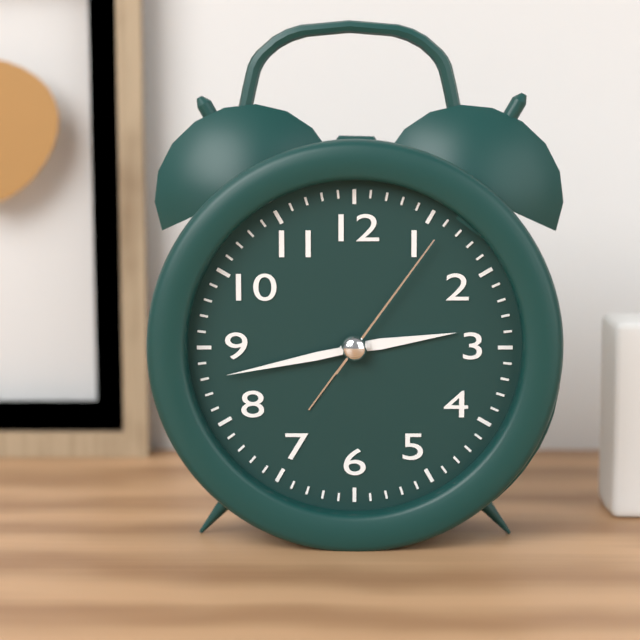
2h43m06s
